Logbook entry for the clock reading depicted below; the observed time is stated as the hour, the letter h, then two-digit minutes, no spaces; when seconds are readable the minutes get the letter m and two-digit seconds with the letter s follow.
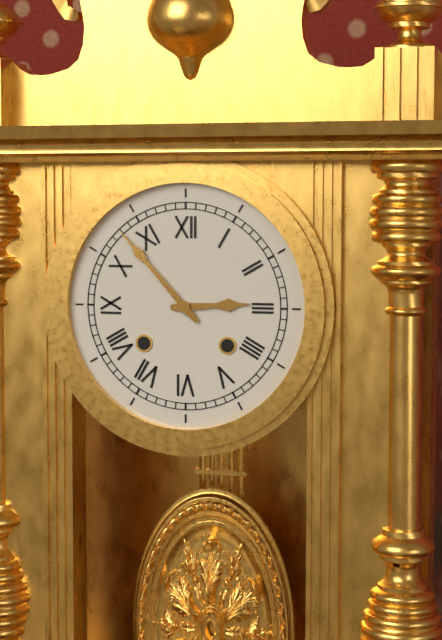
2h53
